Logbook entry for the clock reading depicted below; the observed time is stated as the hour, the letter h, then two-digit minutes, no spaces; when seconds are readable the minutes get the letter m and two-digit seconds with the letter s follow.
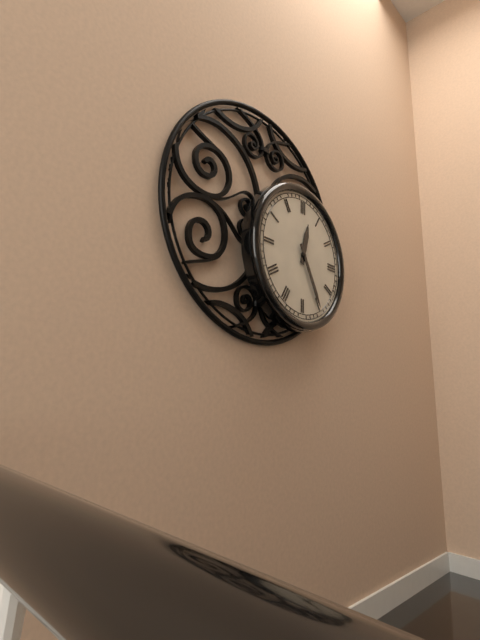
12h25
